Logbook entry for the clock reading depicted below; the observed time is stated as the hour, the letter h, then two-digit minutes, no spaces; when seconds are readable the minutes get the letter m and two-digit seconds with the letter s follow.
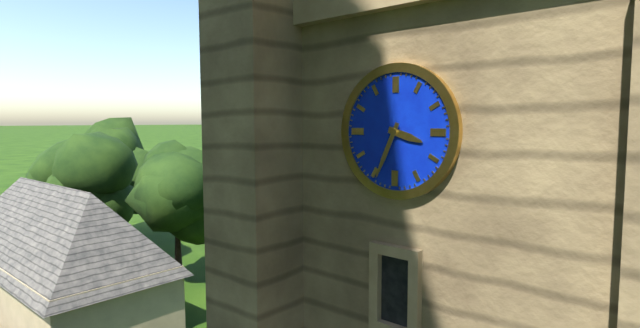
3h34
